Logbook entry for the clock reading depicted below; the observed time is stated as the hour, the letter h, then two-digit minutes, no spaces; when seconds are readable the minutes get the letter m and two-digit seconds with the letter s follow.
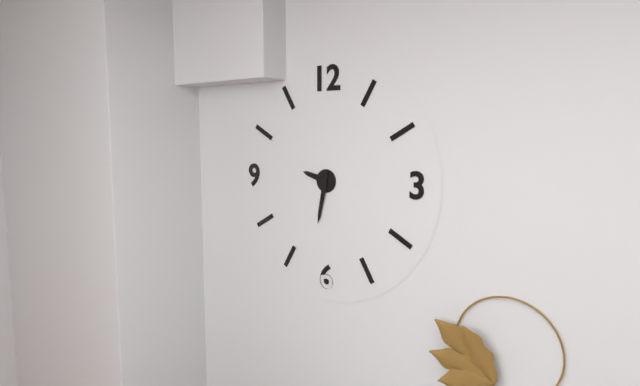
9h32
